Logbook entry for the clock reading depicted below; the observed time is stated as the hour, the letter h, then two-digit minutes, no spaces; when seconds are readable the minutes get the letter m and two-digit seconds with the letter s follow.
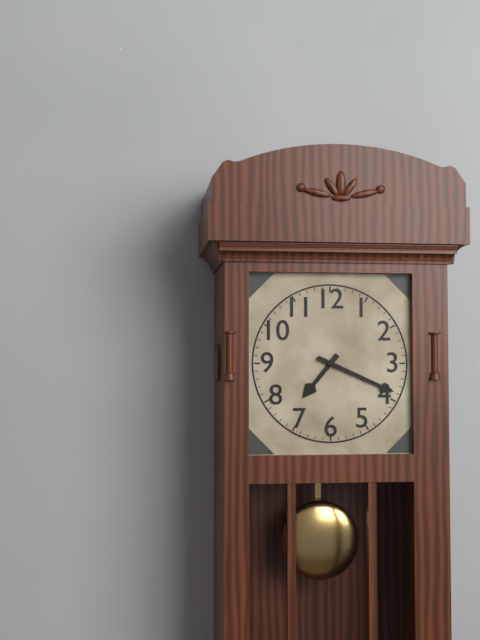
7h19
